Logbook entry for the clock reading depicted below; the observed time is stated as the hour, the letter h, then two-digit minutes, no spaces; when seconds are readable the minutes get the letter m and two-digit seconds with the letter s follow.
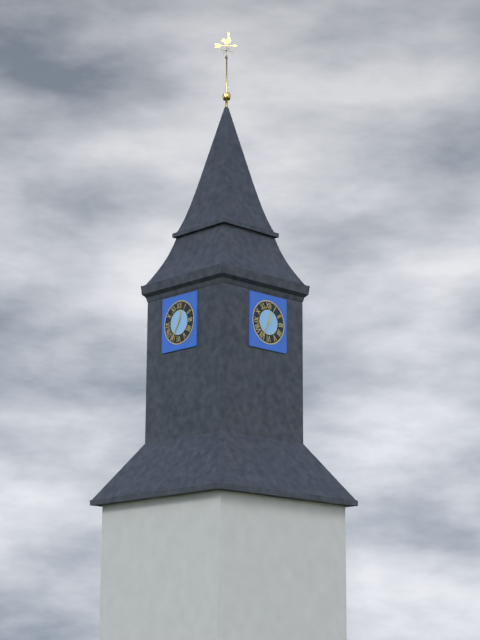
12h35
